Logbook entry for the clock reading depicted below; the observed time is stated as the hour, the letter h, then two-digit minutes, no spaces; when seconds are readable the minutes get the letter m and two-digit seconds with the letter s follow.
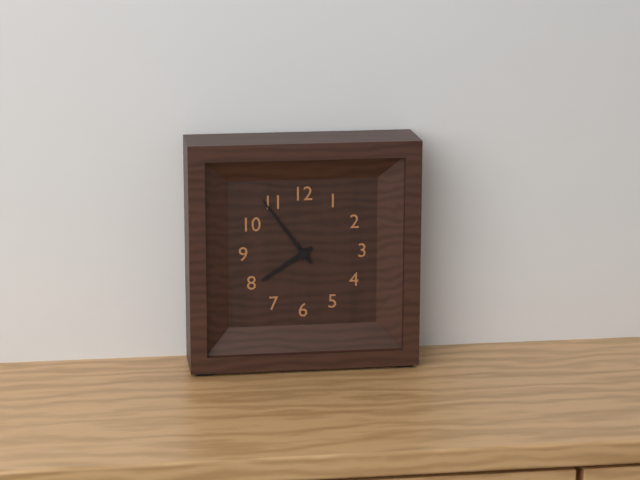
7h54
